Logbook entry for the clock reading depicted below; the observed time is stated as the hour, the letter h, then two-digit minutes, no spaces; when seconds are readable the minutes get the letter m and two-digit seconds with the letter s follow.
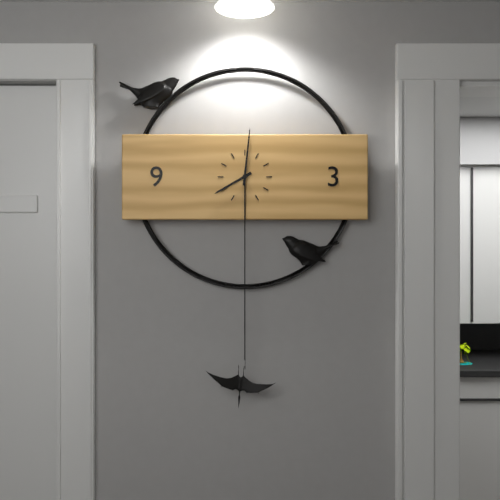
8h01
